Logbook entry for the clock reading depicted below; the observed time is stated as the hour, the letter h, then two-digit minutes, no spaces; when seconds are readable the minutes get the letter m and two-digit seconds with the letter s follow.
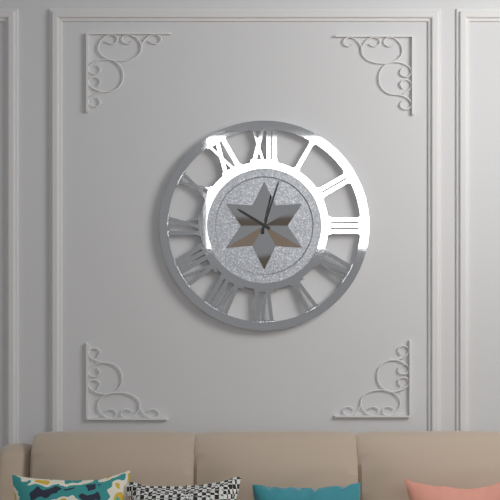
10h03
